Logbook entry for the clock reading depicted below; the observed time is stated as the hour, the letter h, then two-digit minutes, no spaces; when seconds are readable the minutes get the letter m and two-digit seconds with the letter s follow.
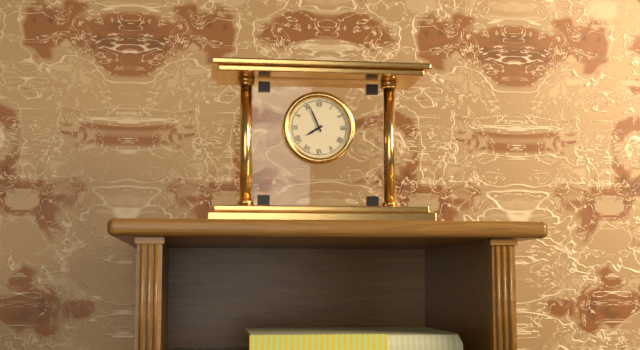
7h56
